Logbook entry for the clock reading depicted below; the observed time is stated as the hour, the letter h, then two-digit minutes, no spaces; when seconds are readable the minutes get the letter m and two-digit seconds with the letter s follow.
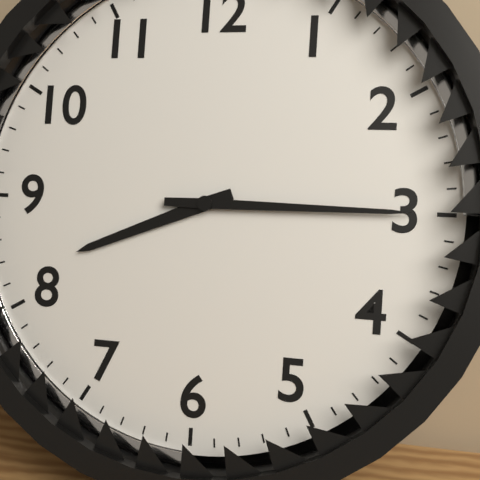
8h15
